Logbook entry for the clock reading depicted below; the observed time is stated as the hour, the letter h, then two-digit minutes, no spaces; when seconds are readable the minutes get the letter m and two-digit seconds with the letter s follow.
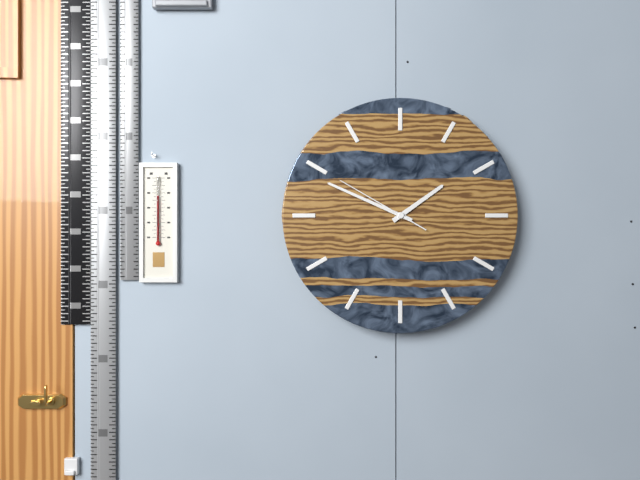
1h49m50s
